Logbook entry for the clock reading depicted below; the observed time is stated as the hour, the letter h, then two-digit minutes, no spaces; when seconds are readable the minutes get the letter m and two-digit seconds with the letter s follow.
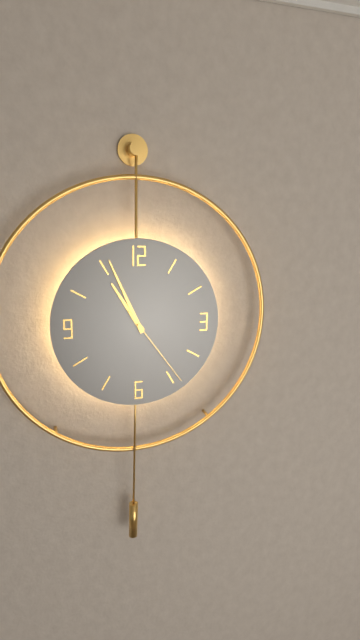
10h56m24s
